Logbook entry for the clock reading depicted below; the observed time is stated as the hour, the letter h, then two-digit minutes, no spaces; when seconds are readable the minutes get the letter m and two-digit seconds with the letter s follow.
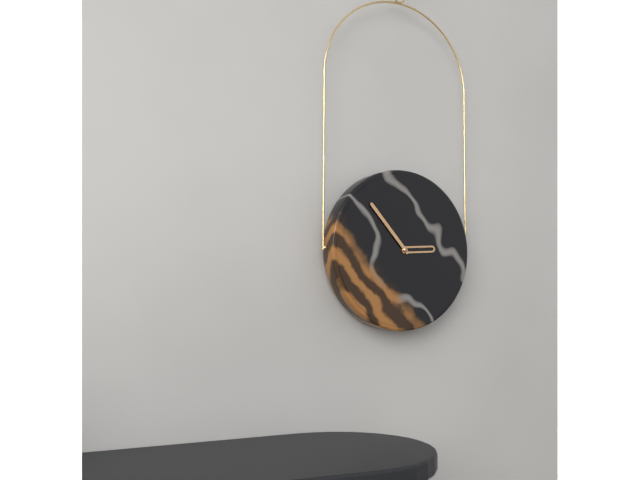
2h53
